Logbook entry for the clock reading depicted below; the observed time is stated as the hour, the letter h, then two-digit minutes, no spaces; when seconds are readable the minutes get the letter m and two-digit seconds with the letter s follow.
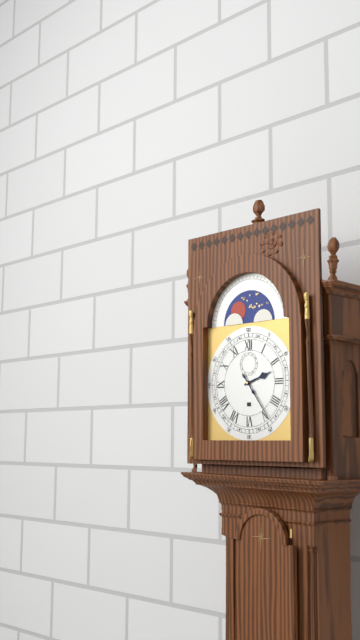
2h24
